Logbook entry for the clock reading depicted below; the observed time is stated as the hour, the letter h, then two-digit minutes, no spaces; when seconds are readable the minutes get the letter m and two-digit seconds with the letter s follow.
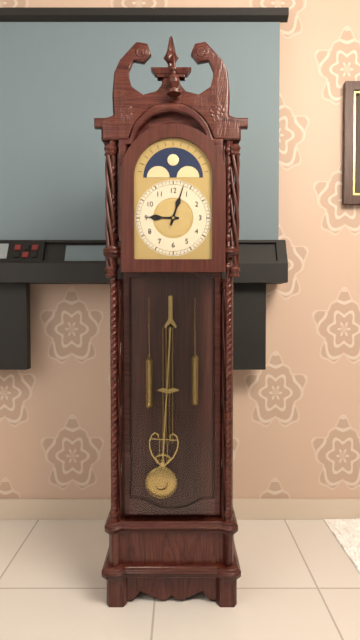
9h03
